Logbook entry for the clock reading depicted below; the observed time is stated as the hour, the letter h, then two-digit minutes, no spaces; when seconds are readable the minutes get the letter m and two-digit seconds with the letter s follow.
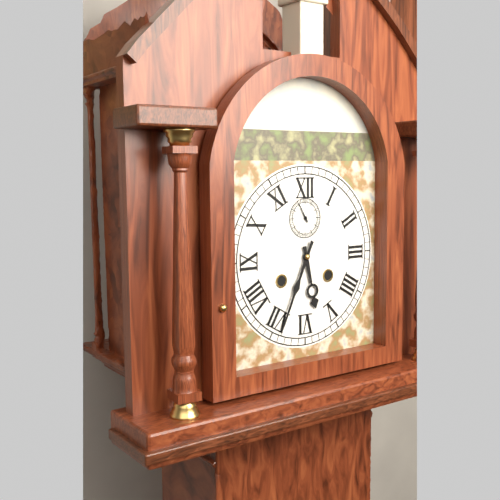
5h34
